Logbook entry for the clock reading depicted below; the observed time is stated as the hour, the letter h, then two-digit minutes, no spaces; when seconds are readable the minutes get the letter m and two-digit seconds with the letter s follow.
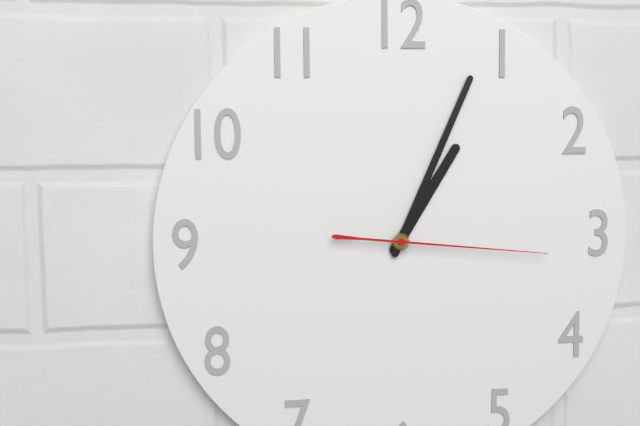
1h04m16s
